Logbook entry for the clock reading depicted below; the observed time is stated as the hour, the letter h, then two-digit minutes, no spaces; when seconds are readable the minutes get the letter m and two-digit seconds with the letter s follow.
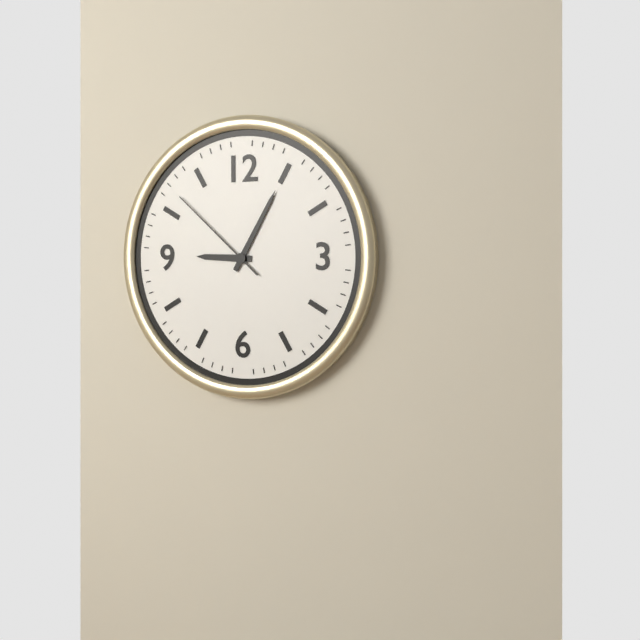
9h05m52s
